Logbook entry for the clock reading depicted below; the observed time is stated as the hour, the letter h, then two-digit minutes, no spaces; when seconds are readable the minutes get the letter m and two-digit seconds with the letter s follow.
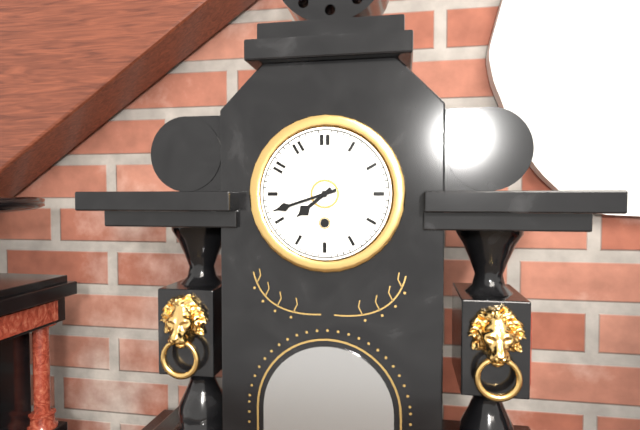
7h42
